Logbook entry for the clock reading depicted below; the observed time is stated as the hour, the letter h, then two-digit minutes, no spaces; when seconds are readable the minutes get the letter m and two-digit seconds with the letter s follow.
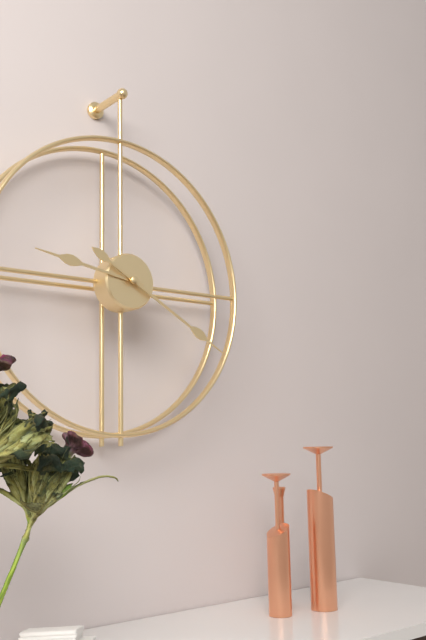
9h20
